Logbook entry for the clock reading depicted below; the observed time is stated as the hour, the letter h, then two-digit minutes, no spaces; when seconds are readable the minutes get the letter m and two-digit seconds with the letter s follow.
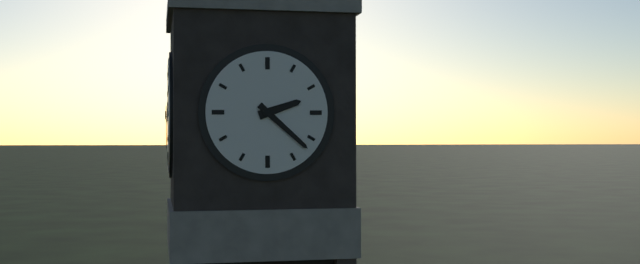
2h22
